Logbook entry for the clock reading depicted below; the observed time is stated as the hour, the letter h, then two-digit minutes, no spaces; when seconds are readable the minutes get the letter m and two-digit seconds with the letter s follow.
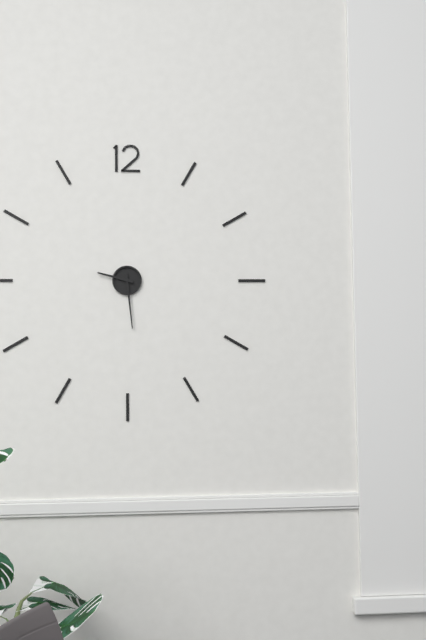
9h29
